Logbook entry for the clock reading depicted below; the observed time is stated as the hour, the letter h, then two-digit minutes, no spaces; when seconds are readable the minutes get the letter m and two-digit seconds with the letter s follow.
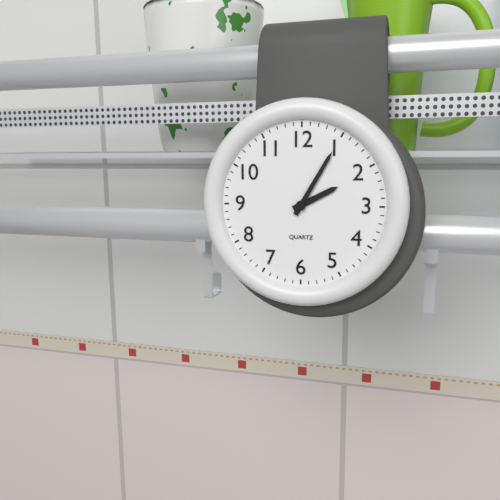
2h05
